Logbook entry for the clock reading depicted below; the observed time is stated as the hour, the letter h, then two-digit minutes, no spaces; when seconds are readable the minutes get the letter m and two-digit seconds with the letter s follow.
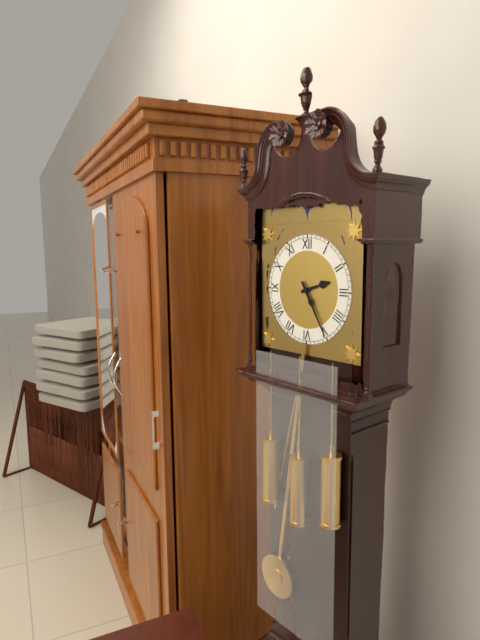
2h25
